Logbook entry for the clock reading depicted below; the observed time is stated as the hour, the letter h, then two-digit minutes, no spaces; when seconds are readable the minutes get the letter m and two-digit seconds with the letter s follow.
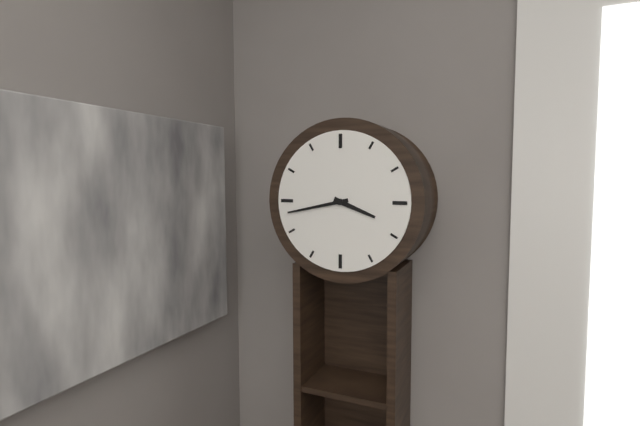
3h43
